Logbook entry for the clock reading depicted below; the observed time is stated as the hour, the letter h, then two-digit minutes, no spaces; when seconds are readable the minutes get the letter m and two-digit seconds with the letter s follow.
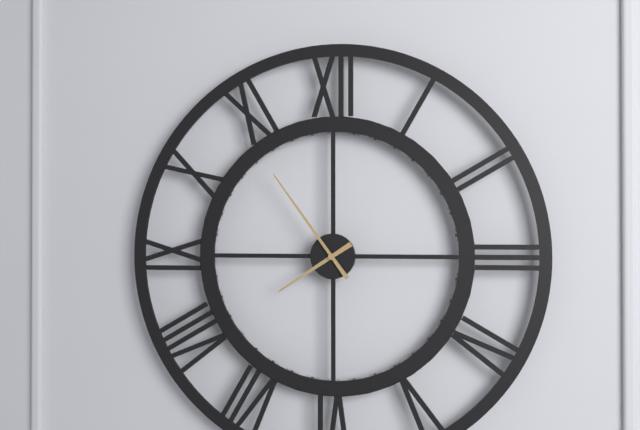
7h54
